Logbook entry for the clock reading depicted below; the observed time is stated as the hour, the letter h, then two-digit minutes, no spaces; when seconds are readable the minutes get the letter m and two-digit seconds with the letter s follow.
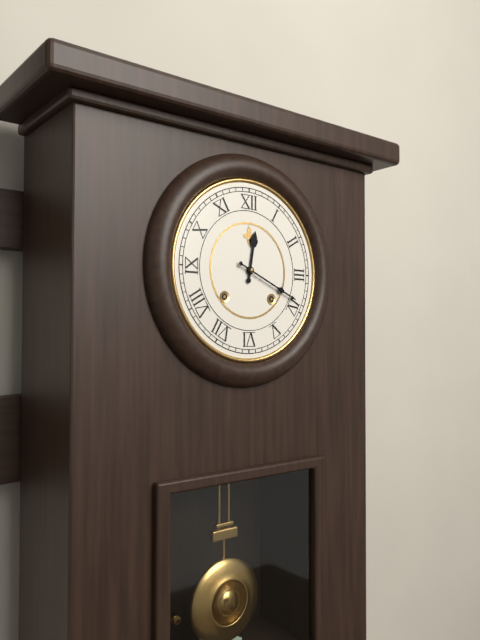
12h19
